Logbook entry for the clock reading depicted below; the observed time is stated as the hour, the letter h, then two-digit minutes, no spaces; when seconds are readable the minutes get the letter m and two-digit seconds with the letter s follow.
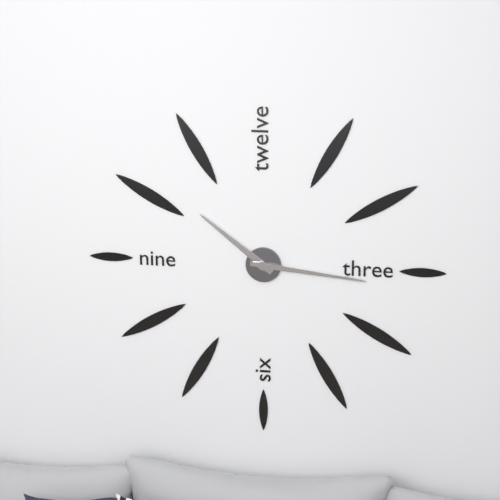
10h16
